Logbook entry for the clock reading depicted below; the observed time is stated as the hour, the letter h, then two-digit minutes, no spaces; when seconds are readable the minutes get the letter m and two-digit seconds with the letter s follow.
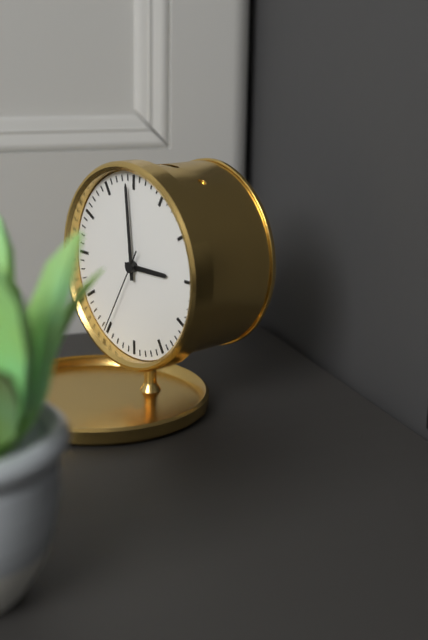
2h59m35s
